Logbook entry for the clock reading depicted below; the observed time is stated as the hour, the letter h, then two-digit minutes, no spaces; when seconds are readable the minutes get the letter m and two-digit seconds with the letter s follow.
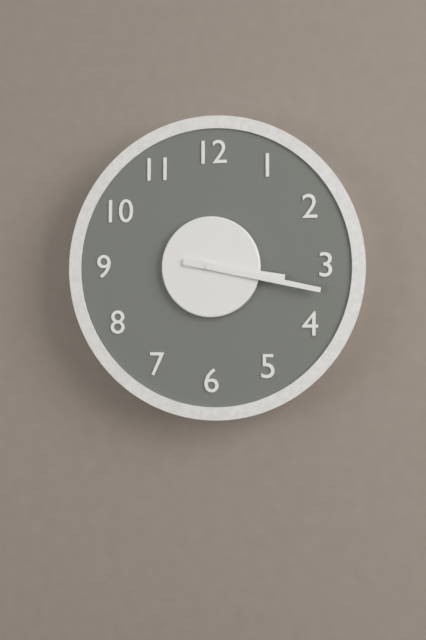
3h17
